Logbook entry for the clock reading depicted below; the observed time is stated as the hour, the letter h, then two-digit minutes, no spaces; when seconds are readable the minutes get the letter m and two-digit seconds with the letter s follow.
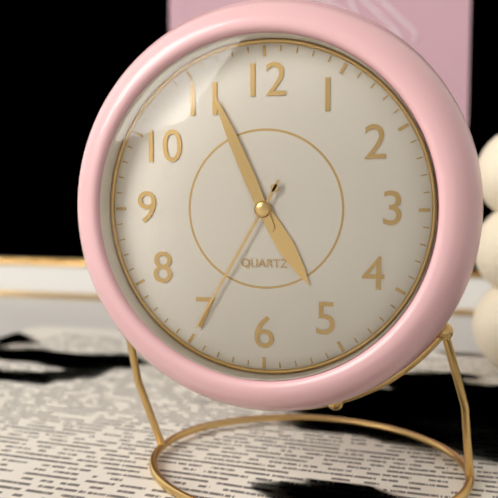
4h56m35s
